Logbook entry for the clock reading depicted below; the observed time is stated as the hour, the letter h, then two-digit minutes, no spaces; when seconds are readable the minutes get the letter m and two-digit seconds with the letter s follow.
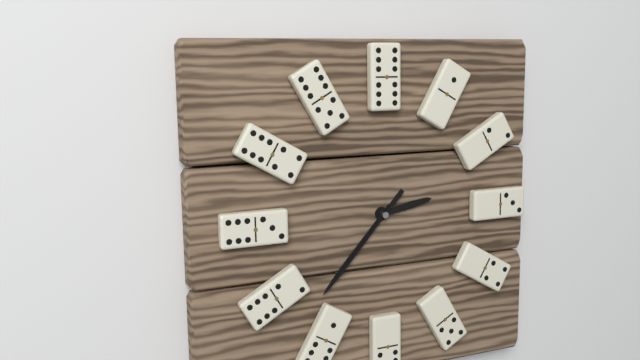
2h37m37s
